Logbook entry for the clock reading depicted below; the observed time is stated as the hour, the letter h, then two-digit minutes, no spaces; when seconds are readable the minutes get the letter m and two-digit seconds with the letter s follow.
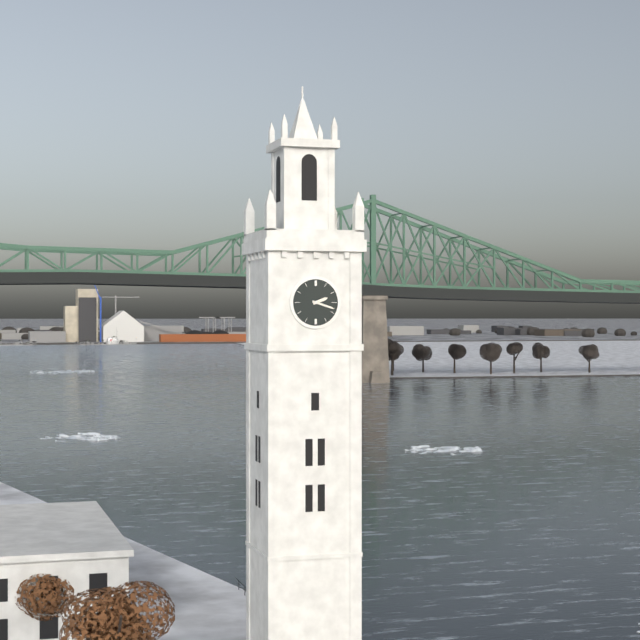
2h18
